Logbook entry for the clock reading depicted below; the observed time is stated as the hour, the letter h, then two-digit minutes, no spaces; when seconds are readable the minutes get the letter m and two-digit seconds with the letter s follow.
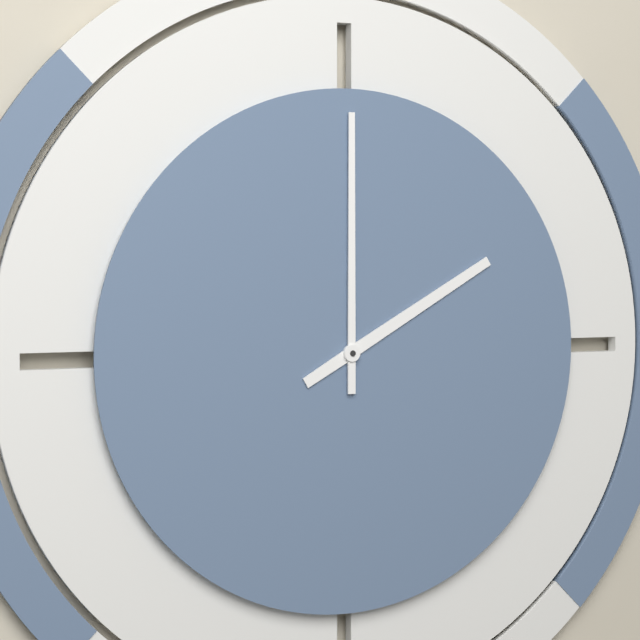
2h00
